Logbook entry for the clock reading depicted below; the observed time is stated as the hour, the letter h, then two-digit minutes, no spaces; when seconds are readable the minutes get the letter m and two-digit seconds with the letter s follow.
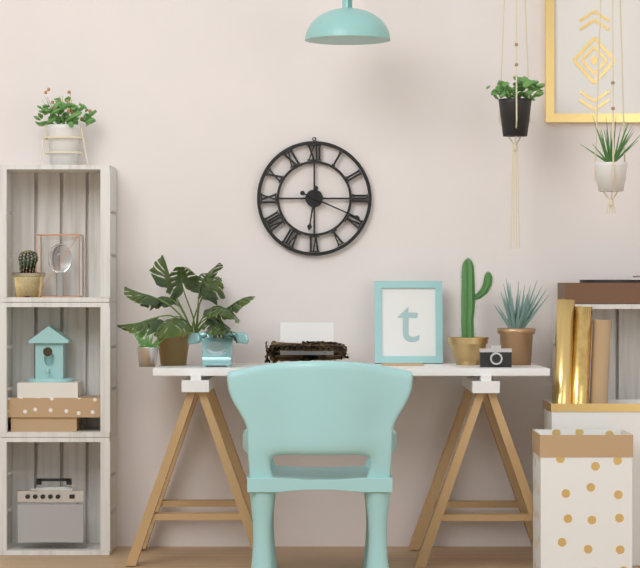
6h19
